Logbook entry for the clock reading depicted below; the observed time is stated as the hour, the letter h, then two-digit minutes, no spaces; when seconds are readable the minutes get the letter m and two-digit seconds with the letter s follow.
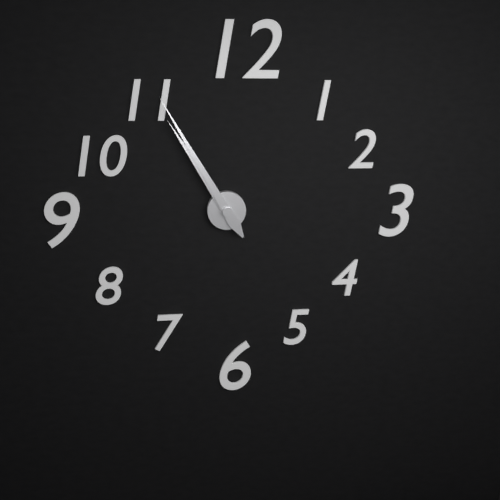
10h55
